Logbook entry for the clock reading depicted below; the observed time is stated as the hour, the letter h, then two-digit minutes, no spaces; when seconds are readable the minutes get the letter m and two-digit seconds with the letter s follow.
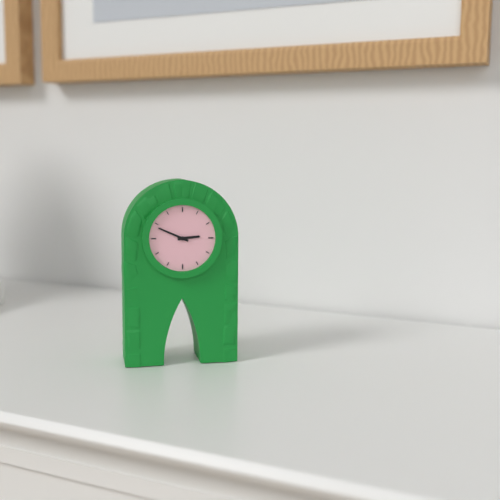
2h49
